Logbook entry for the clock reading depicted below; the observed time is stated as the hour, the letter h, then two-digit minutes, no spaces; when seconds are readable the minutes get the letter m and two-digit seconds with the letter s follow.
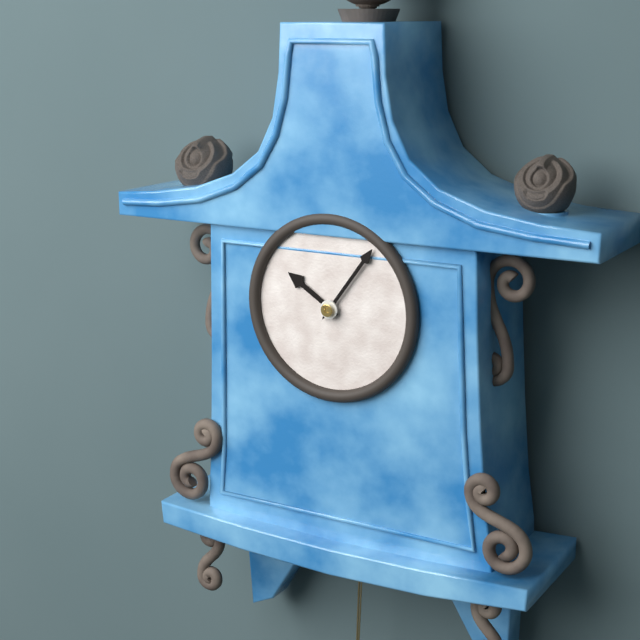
10h06
